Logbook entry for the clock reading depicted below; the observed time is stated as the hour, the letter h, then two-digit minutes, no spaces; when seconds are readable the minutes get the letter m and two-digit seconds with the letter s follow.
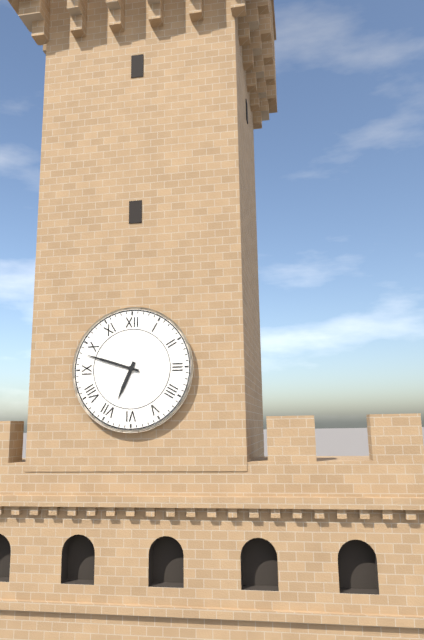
6h48
